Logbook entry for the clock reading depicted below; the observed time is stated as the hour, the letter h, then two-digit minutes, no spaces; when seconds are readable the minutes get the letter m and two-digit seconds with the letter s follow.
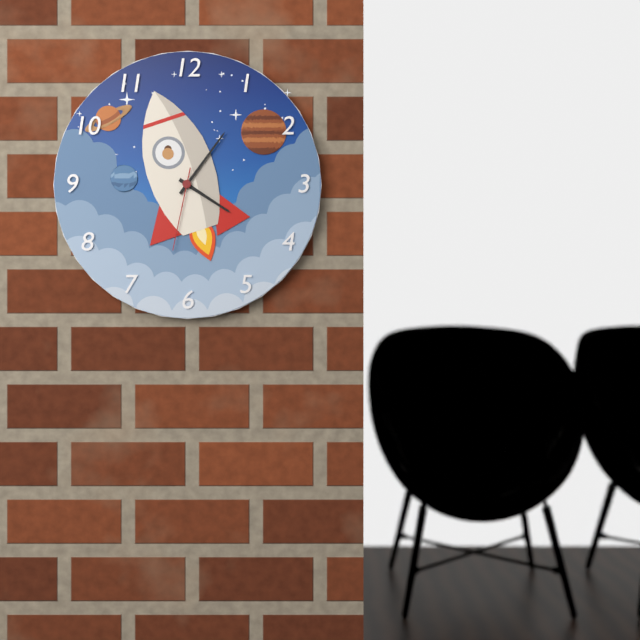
4h06m32s
